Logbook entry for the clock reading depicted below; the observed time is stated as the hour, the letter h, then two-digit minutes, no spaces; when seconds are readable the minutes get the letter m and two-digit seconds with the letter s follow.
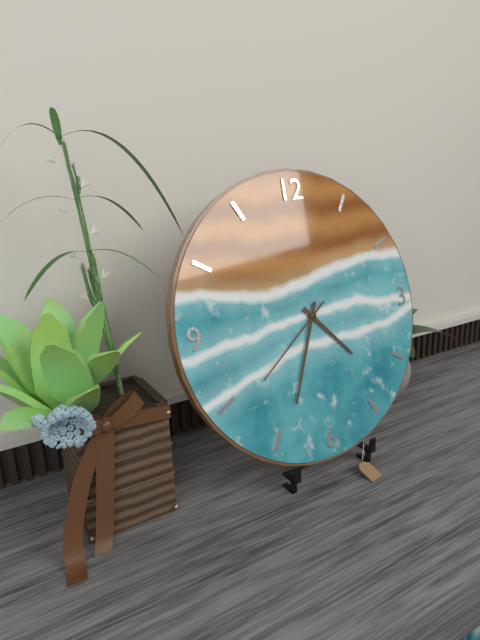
4h34m39s
